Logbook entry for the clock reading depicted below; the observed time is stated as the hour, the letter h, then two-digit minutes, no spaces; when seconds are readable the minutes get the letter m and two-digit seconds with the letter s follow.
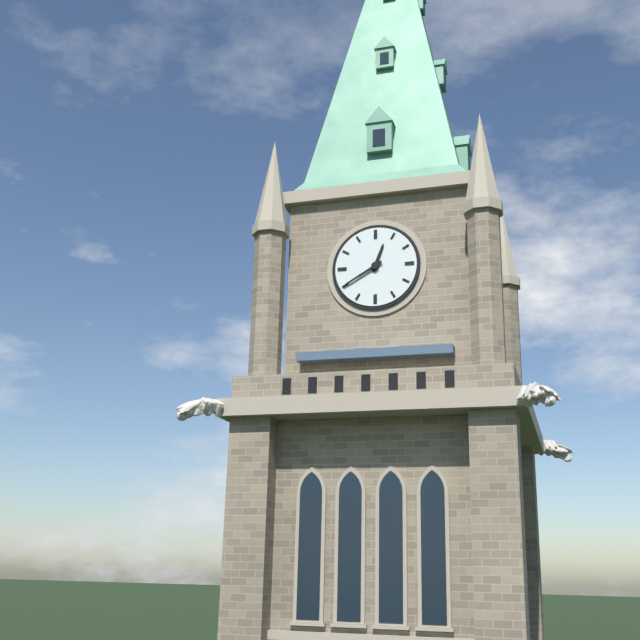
12h40
